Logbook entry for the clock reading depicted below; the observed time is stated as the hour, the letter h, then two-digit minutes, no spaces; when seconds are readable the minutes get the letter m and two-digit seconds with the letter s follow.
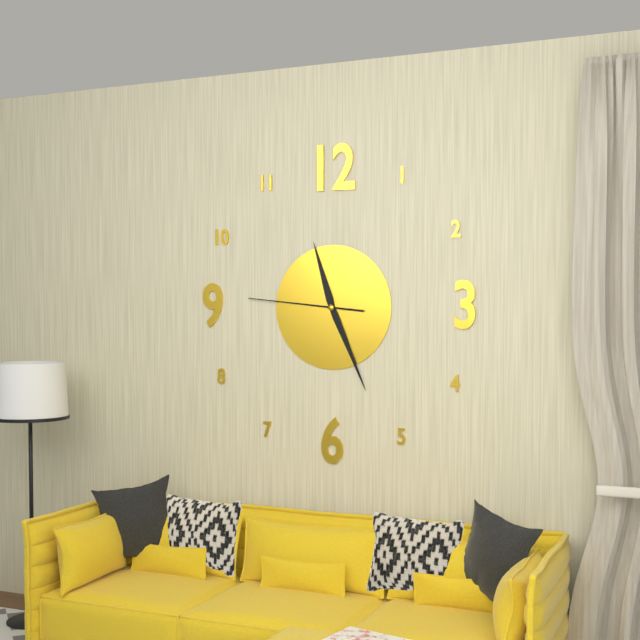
11h26m46s
